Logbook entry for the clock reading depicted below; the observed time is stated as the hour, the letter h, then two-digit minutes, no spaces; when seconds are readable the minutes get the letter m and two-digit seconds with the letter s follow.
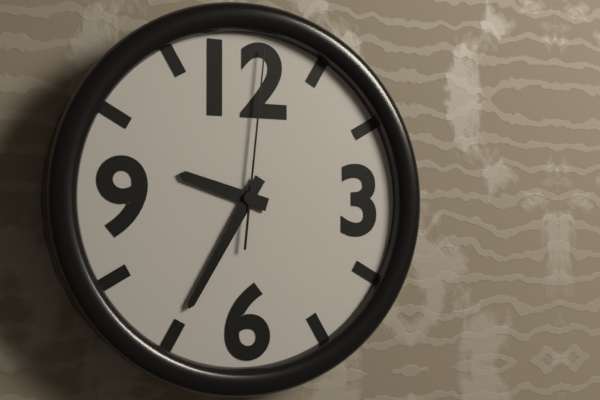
9h35m01s
